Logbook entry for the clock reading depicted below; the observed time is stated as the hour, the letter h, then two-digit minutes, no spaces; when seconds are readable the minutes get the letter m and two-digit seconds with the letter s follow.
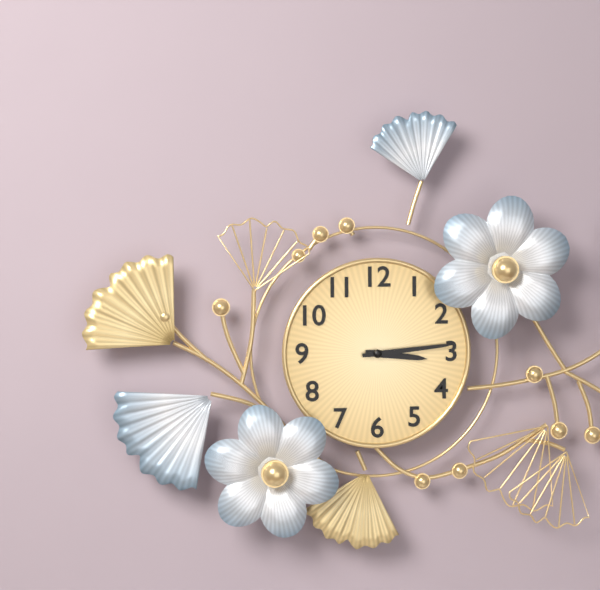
3h14
